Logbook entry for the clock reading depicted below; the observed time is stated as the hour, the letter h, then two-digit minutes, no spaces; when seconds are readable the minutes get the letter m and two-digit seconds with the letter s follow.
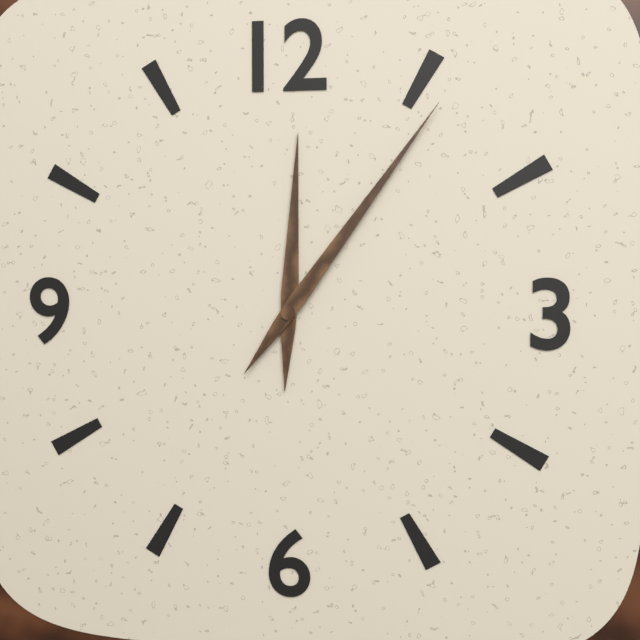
12h06
